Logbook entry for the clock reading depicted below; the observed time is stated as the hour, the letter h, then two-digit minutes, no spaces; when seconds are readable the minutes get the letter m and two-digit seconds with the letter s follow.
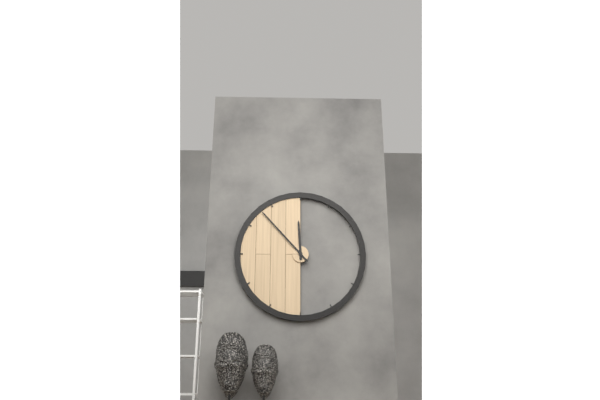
11h53
